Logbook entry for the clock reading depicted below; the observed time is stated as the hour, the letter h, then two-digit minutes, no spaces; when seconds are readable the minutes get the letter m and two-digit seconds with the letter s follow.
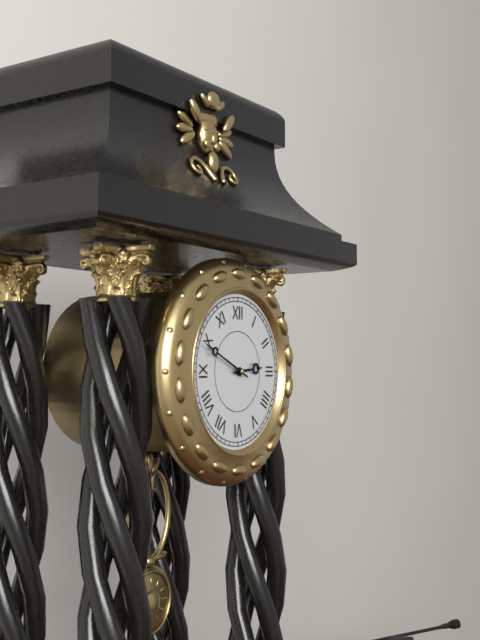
2h49
